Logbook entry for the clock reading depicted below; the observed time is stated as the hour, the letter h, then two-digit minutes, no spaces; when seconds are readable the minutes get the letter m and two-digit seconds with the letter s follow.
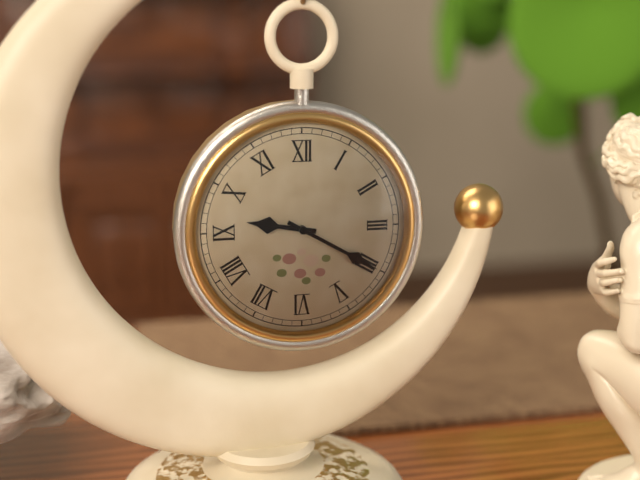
9h20
